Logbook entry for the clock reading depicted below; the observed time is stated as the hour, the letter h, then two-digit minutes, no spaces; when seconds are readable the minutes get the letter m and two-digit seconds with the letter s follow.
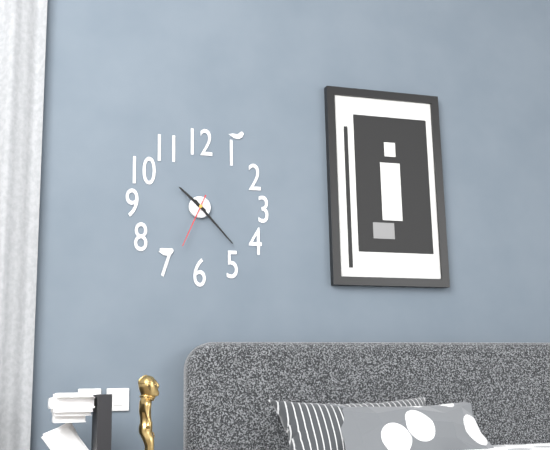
10h23m34s
